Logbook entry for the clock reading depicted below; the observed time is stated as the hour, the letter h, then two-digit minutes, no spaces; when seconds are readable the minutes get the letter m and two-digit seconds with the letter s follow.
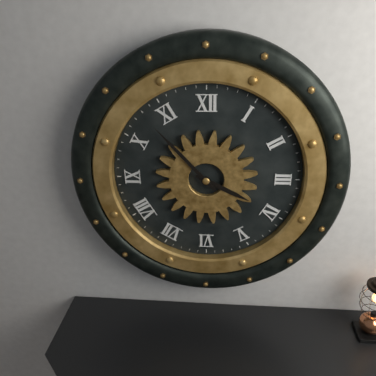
3h53
